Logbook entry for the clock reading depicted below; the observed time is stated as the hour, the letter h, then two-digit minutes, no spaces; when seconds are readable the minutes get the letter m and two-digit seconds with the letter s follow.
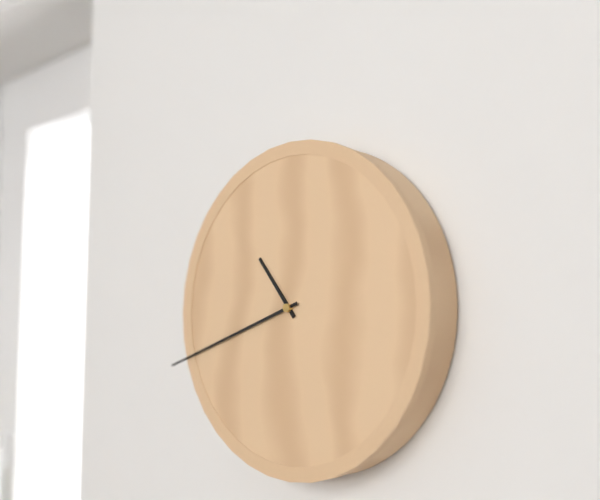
10h42
